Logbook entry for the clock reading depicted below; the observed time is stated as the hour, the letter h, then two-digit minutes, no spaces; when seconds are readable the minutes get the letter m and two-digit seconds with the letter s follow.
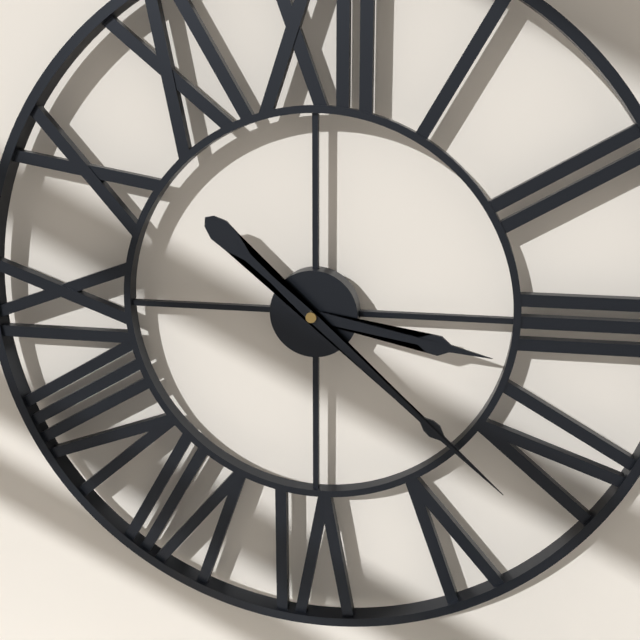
3h22
